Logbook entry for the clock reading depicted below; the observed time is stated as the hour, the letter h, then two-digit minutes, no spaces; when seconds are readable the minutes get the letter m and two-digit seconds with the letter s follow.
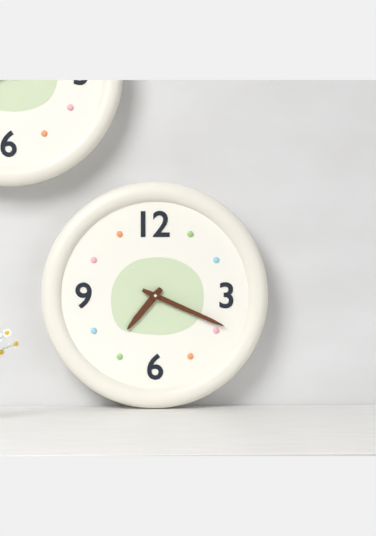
7h19
